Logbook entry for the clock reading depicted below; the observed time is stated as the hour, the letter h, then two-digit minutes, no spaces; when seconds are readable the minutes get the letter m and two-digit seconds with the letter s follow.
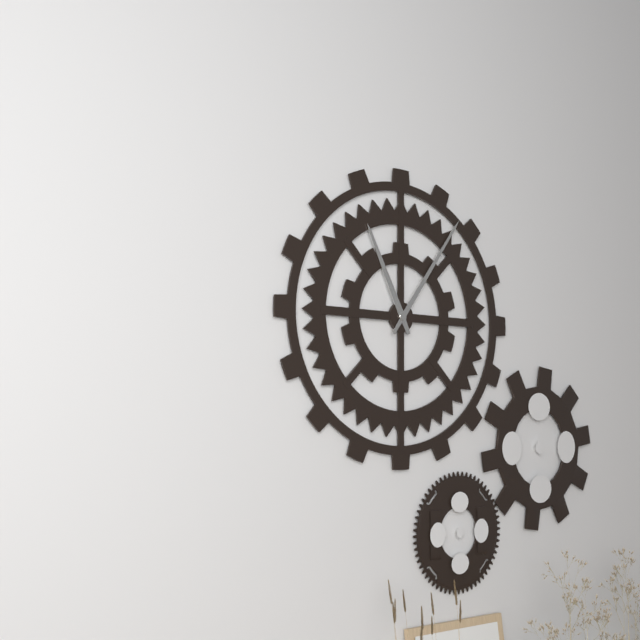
11h06
